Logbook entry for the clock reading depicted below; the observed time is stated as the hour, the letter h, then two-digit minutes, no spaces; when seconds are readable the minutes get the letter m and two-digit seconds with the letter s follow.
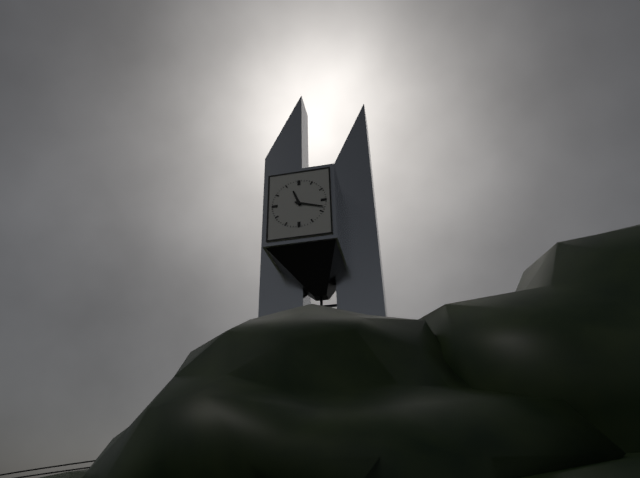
11h18
